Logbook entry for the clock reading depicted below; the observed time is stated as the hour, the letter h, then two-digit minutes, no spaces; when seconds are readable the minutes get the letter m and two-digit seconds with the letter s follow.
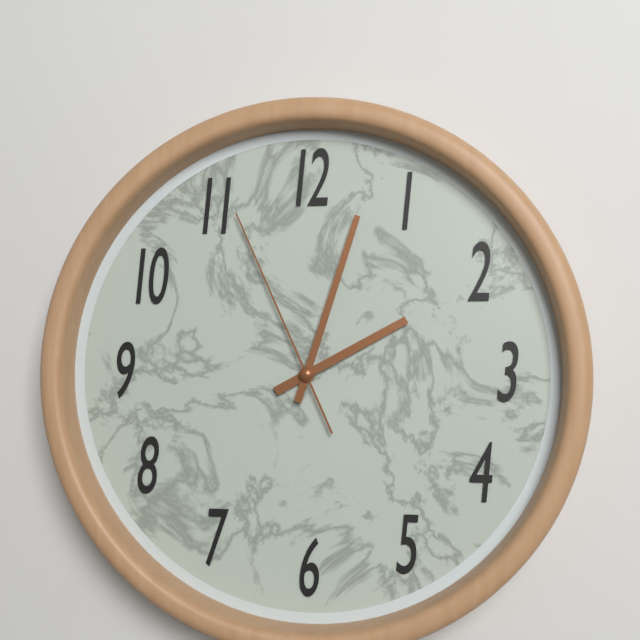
2h03m56s
